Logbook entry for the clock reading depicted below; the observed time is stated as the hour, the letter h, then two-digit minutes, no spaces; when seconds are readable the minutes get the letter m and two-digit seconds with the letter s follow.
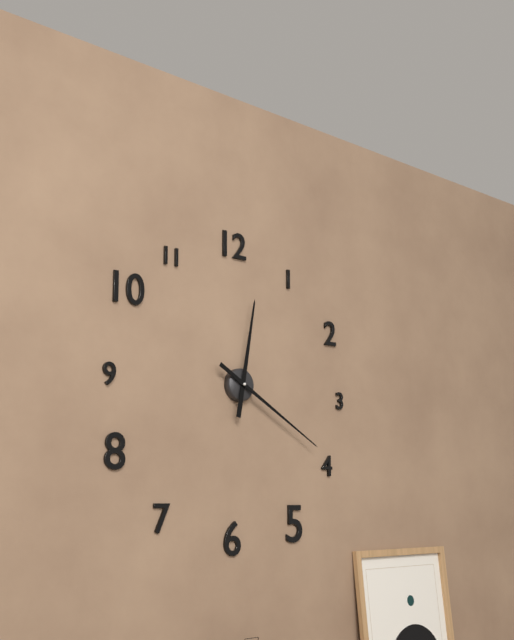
12h20
